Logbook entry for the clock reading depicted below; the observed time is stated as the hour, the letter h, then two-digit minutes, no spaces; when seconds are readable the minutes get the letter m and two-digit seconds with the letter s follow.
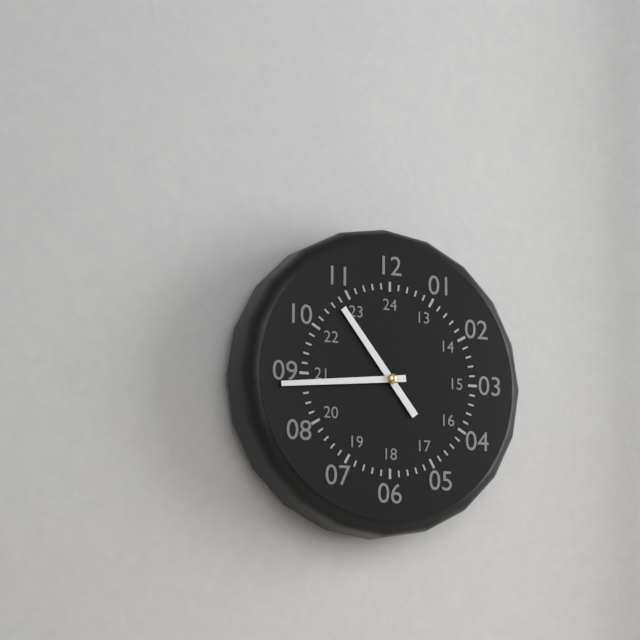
10h44
